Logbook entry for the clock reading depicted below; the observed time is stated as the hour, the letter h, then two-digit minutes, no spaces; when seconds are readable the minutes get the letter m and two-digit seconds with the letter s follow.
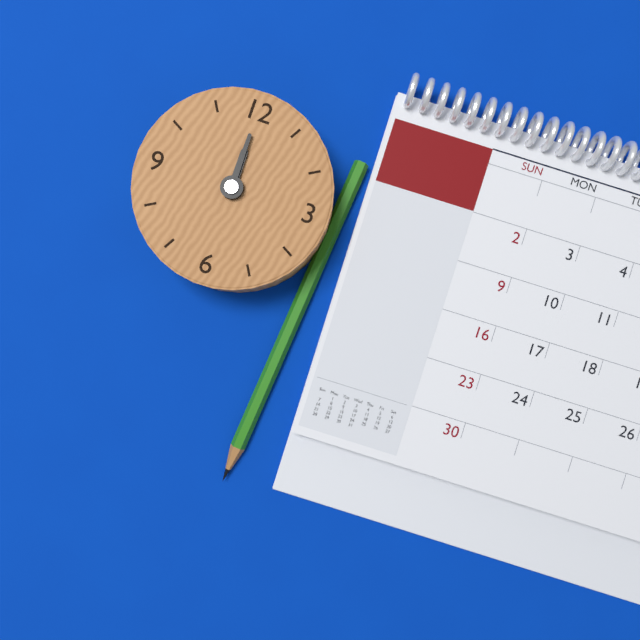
12h00
